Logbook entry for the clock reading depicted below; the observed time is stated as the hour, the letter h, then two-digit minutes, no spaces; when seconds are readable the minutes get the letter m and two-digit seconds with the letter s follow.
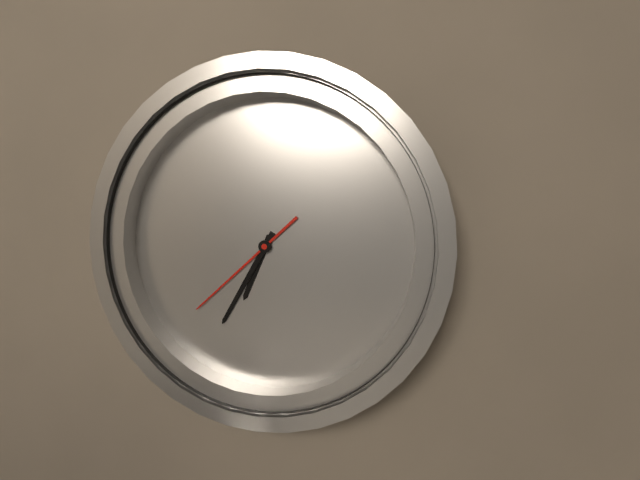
6h34m37s
